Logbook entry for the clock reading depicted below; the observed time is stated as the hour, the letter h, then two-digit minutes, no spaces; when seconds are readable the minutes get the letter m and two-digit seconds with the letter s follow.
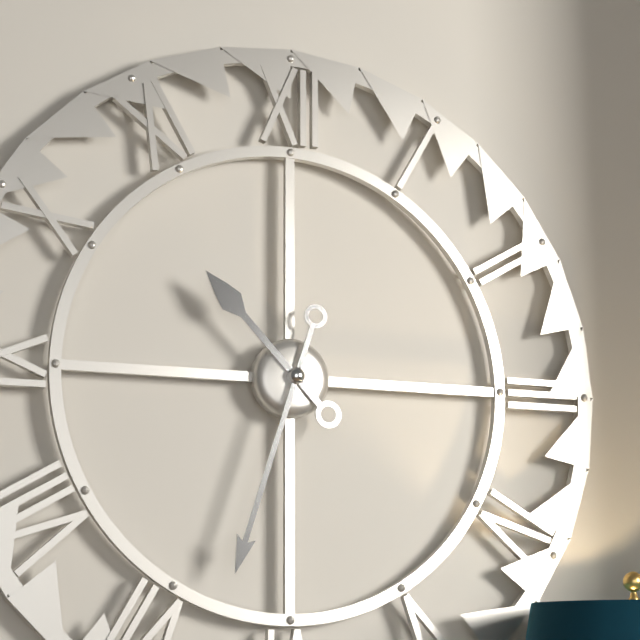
10h33
